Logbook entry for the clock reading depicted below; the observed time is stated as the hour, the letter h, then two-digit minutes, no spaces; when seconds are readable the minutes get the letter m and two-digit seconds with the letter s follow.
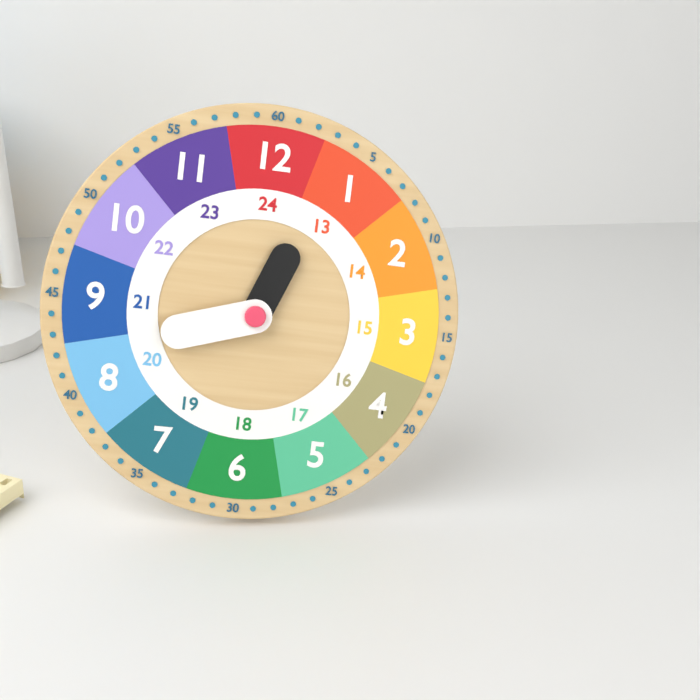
12h42
